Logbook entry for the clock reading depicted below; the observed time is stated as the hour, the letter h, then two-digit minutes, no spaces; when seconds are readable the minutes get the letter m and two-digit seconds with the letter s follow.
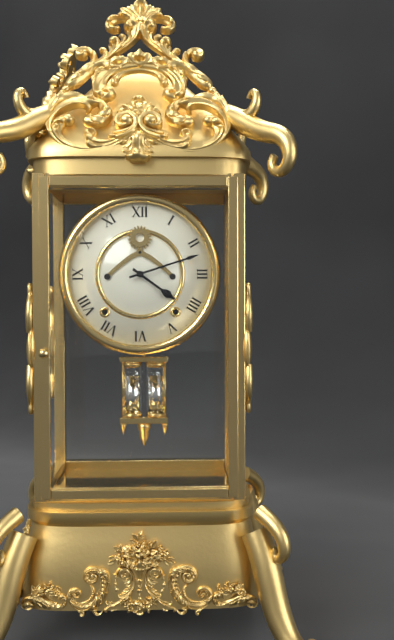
4h12
